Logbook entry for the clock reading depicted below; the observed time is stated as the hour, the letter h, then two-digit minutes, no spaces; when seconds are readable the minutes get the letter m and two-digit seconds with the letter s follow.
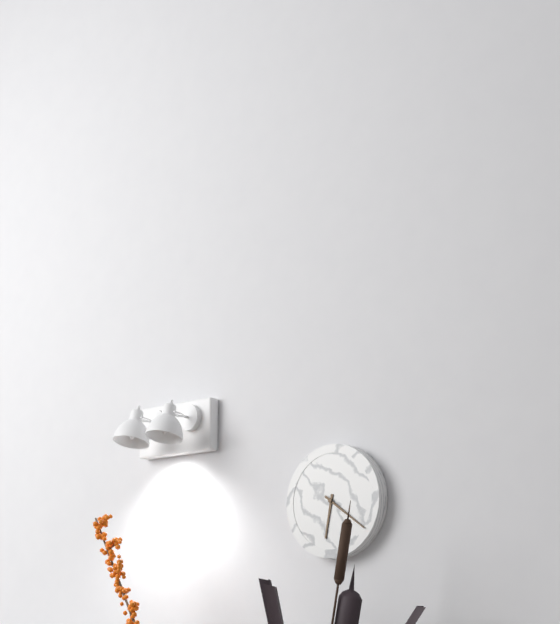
6h21
